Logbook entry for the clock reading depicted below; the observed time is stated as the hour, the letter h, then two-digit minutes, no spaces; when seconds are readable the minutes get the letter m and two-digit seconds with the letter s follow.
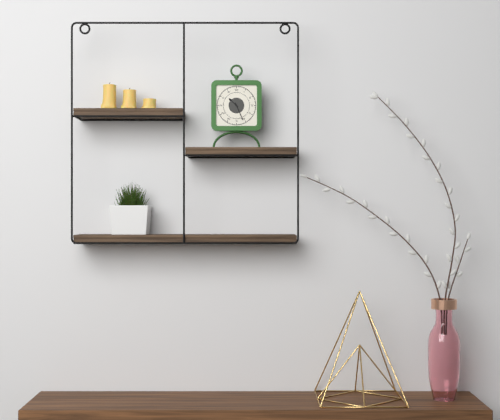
10h26
